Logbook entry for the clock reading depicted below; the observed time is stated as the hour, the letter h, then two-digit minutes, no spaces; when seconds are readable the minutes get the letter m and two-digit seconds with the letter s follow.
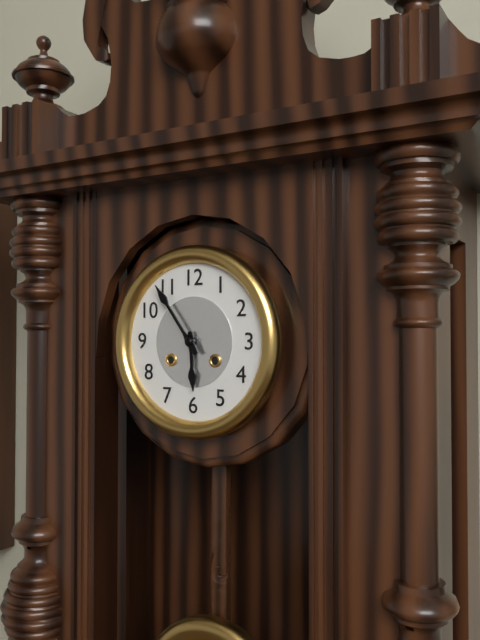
5h54
